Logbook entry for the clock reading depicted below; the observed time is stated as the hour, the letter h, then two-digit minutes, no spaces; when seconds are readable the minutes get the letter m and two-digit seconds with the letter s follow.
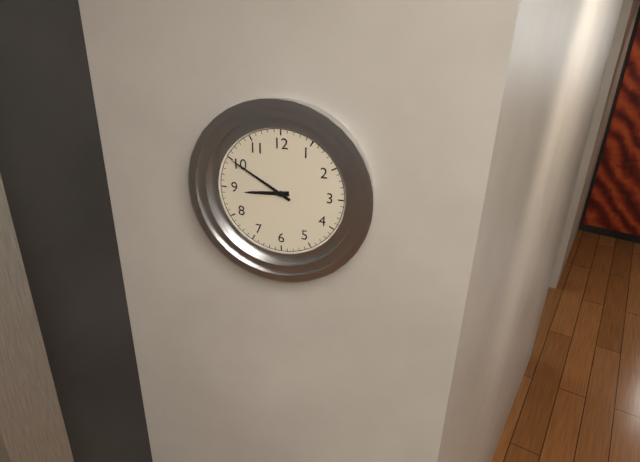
8h50
